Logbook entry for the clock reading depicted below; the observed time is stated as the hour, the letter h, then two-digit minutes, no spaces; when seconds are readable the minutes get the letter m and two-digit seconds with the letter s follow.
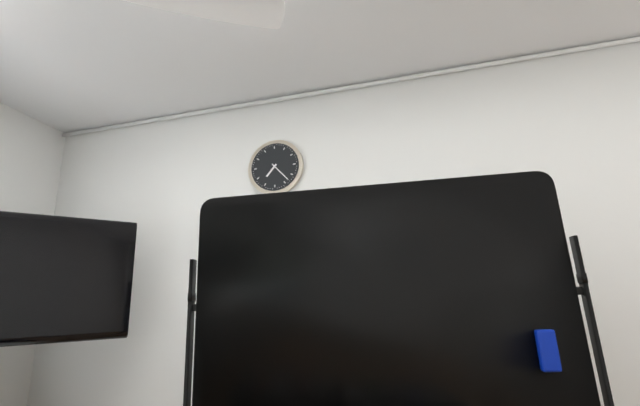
7h23
